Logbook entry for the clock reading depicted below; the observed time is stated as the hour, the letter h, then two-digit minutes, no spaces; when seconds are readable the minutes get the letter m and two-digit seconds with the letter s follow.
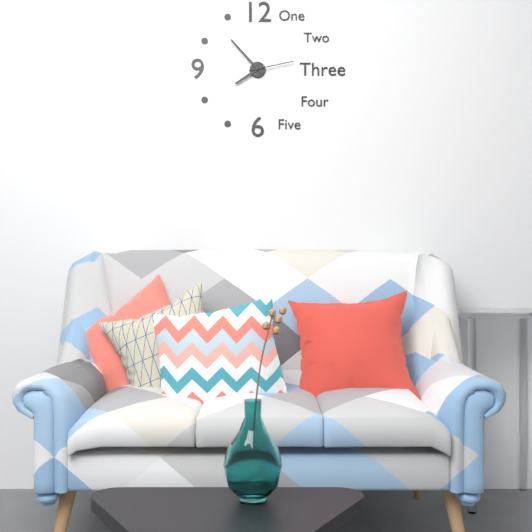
7h53
